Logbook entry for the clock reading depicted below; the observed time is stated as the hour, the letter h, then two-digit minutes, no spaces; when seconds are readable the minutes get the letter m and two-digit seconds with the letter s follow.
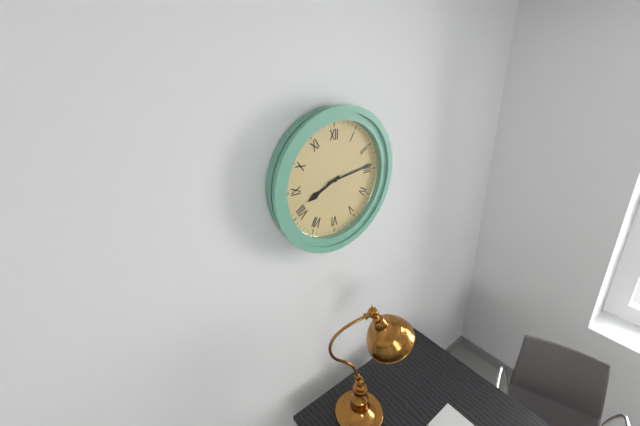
8h14
